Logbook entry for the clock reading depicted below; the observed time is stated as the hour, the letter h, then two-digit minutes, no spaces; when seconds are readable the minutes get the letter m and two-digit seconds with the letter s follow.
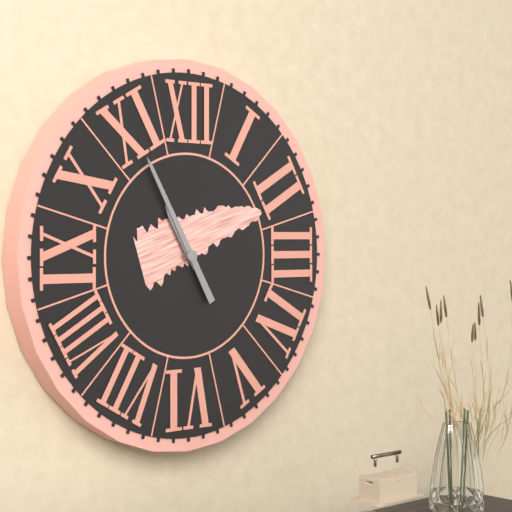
10h55
